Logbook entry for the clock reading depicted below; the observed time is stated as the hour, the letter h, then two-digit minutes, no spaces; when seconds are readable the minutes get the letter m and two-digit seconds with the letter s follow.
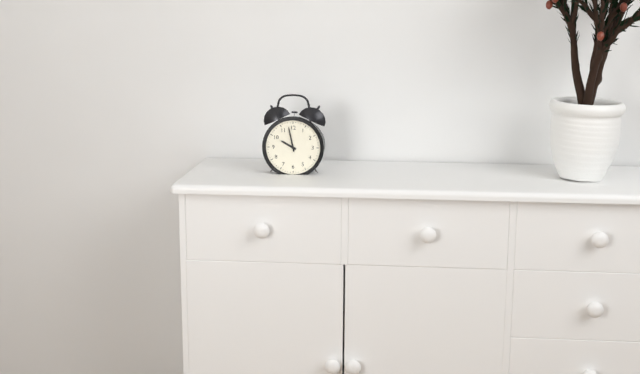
9h58
